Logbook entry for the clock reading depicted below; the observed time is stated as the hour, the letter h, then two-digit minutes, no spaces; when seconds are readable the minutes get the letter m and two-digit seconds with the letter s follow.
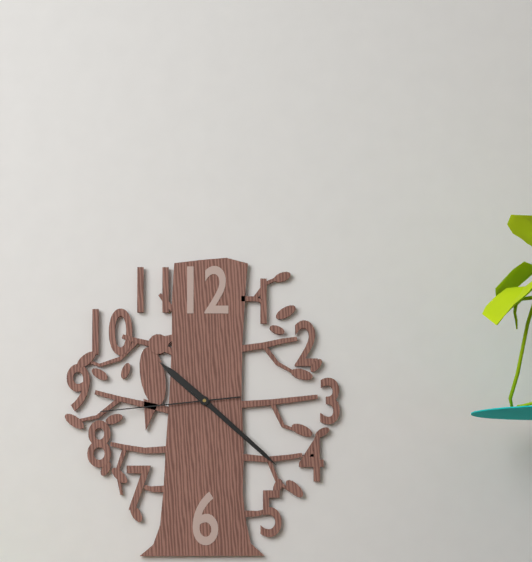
10h22m44s
